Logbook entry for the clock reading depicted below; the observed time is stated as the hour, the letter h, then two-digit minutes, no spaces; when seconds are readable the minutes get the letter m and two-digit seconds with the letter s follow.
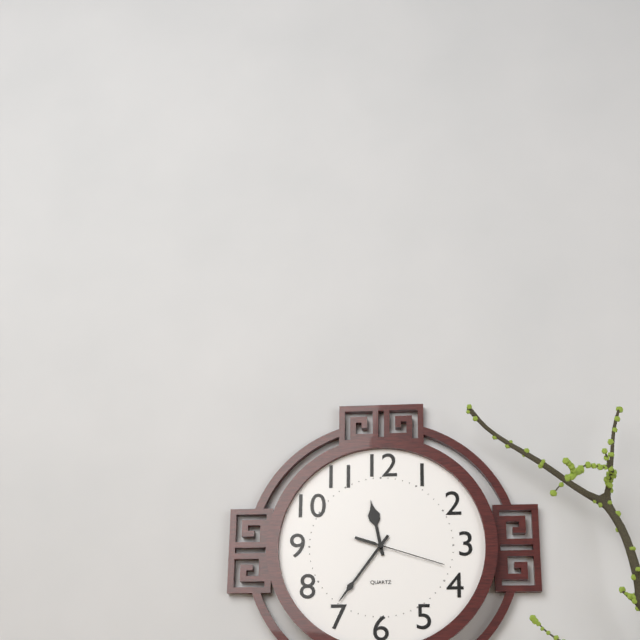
11h36m18s
